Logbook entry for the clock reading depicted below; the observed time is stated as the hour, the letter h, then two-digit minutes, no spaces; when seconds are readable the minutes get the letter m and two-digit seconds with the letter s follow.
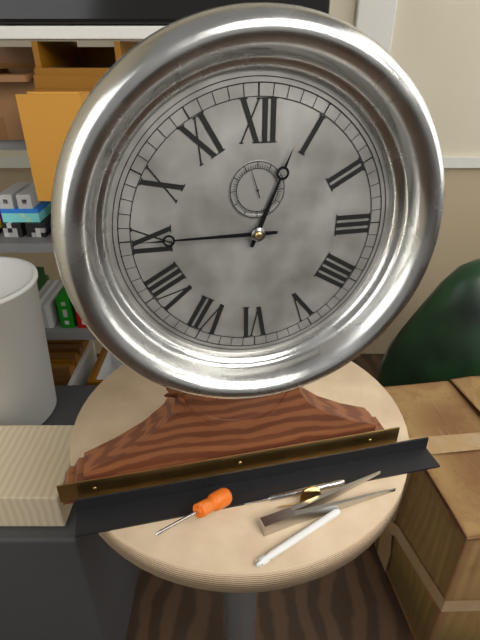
12h45
